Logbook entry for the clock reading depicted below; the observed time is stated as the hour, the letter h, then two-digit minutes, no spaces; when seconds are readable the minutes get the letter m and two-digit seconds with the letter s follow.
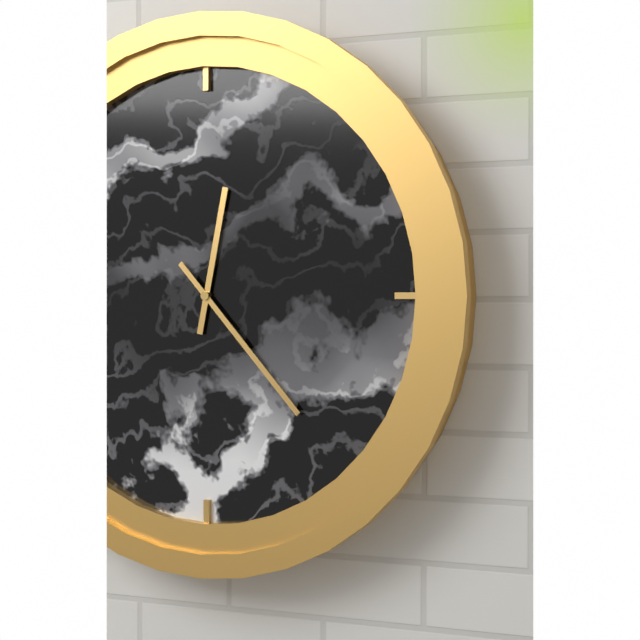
12h23
